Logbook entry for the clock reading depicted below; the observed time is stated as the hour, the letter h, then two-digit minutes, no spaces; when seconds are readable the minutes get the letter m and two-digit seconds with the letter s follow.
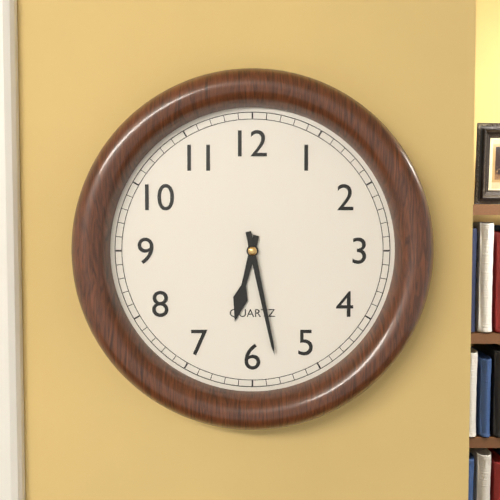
6h28
